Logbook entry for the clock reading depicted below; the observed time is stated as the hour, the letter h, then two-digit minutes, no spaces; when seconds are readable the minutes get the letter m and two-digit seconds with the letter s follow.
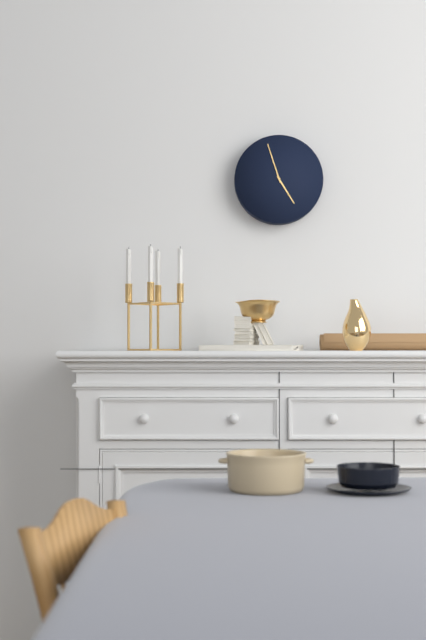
4h57
